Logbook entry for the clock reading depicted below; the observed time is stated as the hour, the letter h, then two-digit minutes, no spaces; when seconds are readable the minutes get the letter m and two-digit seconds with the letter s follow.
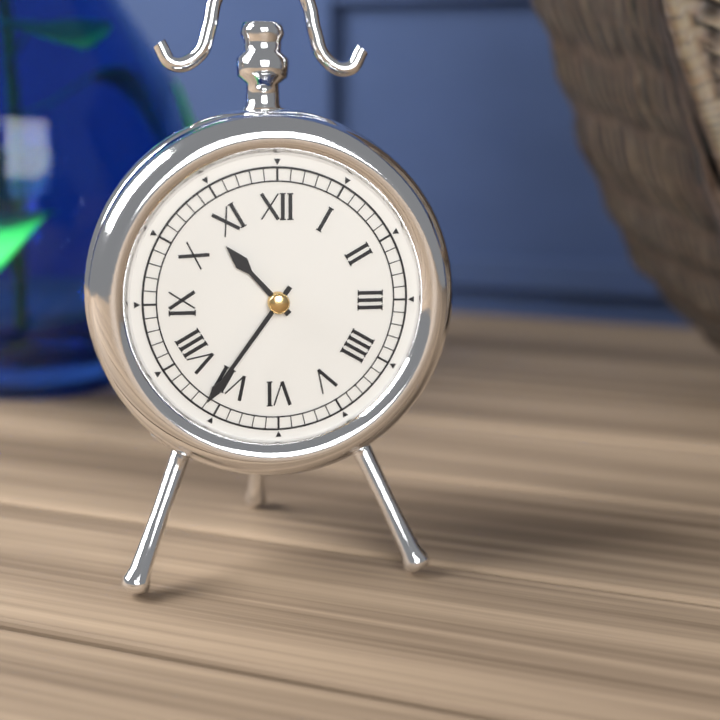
10h36
